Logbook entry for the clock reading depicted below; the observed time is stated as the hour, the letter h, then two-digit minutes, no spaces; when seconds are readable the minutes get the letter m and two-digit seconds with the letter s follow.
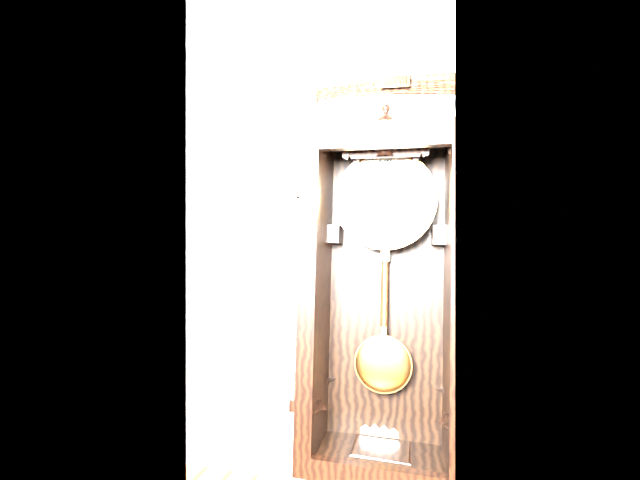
3h51
